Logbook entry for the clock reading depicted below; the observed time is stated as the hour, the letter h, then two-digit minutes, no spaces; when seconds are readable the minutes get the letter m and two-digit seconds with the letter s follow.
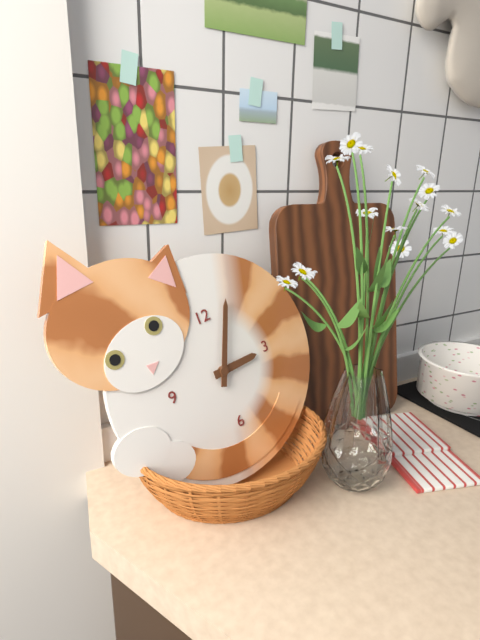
3h04
